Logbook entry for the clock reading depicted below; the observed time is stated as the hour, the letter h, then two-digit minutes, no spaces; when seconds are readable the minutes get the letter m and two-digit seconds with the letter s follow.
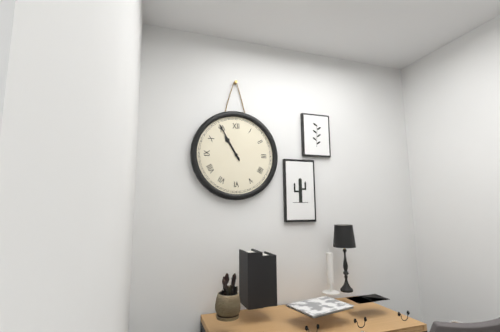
10h55
